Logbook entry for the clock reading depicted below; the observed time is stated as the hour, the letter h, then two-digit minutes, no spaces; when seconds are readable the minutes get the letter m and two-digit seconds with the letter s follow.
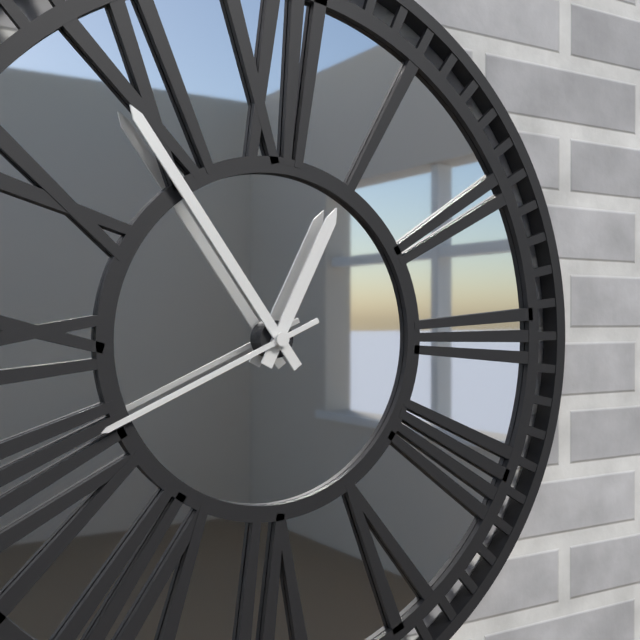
12h54m41s
